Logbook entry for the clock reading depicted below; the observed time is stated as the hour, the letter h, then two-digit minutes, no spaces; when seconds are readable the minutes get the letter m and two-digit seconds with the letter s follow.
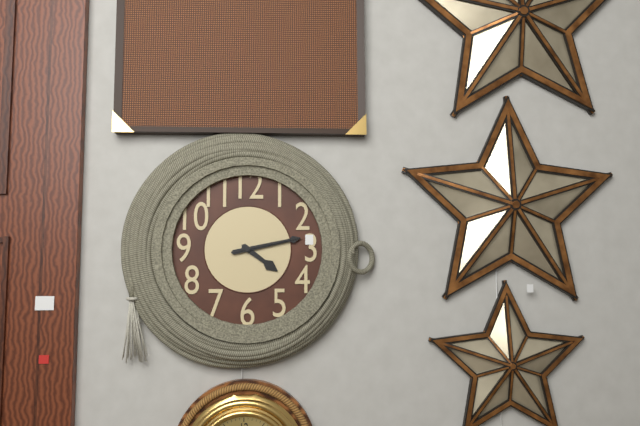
4h13m13s
